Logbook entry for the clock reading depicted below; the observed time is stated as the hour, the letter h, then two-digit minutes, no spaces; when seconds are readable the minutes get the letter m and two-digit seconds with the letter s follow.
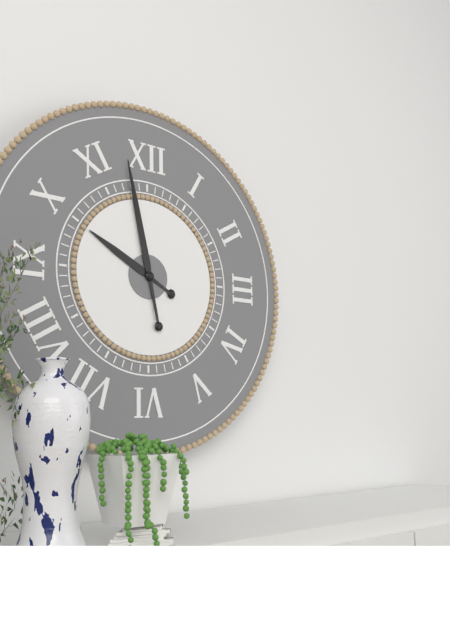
9h58
